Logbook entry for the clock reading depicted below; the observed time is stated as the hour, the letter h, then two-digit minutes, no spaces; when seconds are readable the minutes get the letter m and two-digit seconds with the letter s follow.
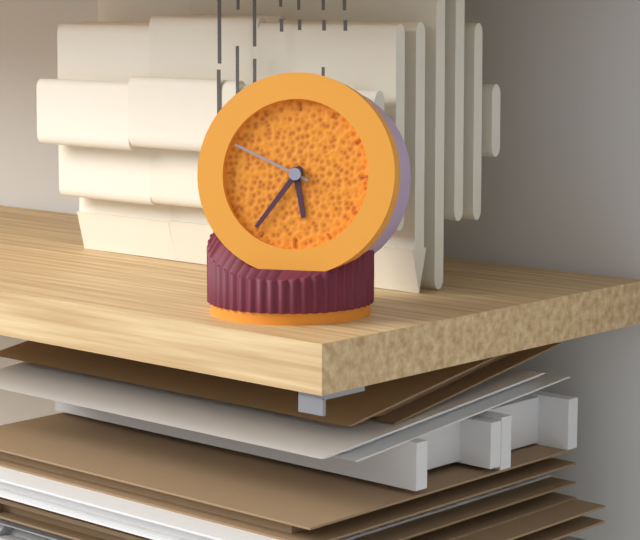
5h36m49s
